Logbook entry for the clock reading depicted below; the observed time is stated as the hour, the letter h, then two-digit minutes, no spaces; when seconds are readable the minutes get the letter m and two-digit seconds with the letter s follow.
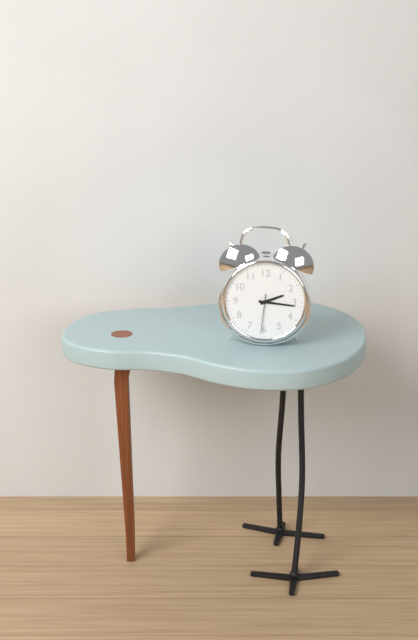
2h16
